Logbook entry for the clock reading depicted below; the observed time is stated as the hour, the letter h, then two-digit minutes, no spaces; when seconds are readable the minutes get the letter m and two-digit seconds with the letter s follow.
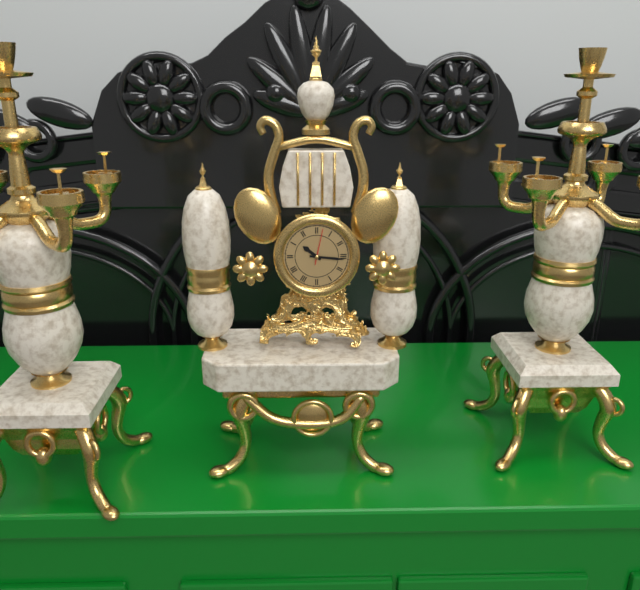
10h16
